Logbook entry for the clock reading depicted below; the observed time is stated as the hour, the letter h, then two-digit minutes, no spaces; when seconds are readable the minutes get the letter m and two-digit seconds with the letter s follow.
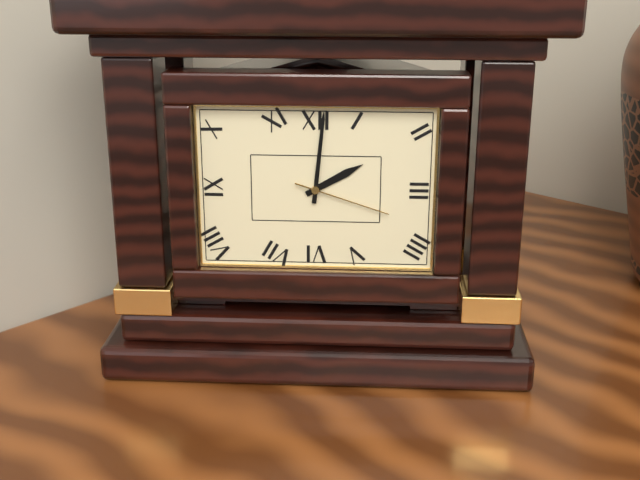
2h01m18s
